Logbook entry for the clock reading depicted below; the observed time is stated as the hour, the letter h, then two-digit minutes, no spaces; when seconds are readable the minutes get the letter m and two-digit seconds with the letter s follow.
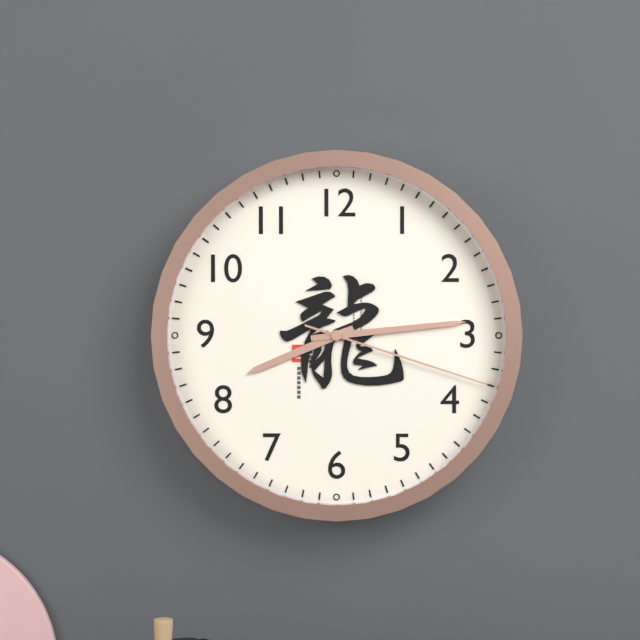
8h14m18s
